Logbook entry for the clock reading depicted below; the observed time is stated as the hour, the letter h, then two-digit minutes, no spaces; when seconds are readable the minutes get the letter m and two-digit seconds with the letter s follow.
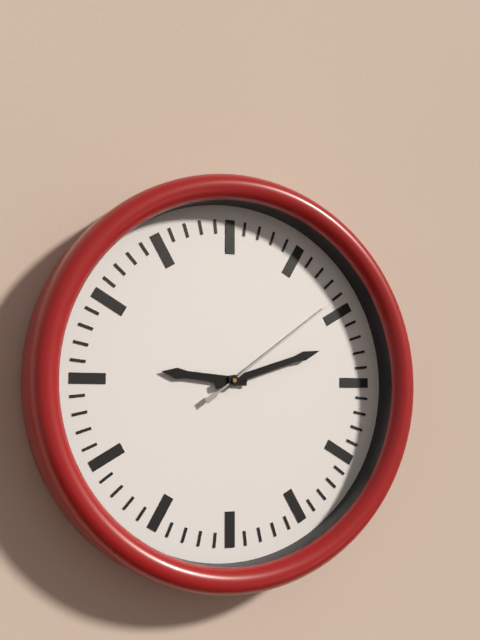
9h12m09s
